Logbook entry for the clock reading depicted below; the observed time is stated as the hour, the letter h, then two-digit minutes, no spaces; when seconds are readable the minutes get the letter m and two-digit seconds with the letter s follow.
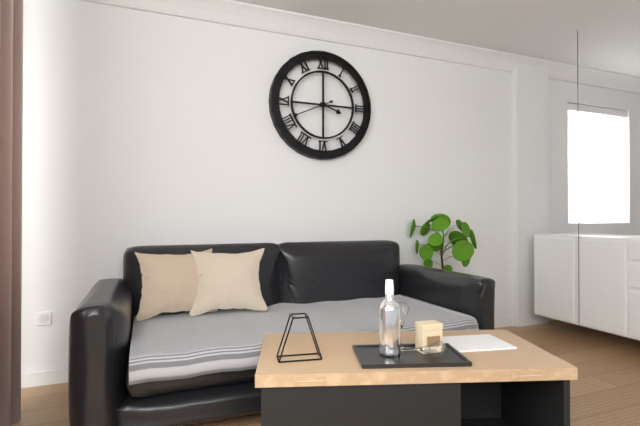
3h41
